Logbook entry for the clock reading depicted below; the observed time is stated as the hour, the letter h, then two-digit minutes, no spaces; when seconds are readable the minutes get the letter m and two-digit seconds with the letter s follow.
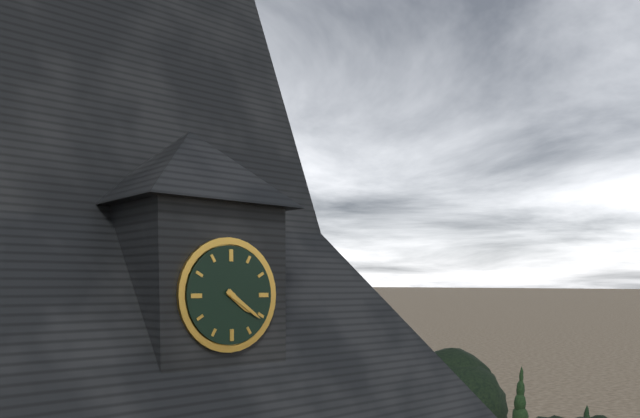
4h21
